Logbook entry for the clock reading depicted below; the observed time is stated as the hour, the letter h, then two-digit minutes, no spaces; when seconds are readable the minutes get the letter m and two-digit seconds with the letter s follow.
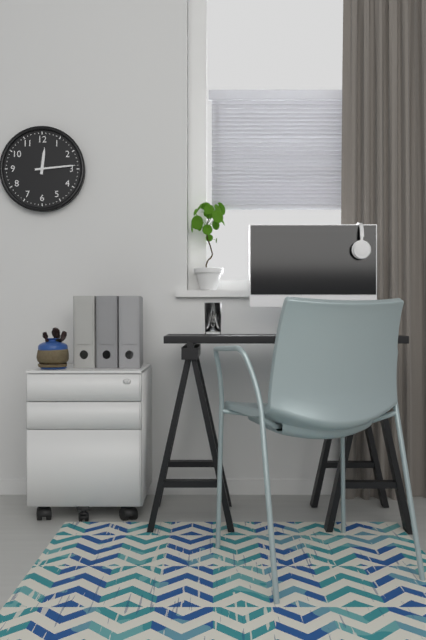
12h14
